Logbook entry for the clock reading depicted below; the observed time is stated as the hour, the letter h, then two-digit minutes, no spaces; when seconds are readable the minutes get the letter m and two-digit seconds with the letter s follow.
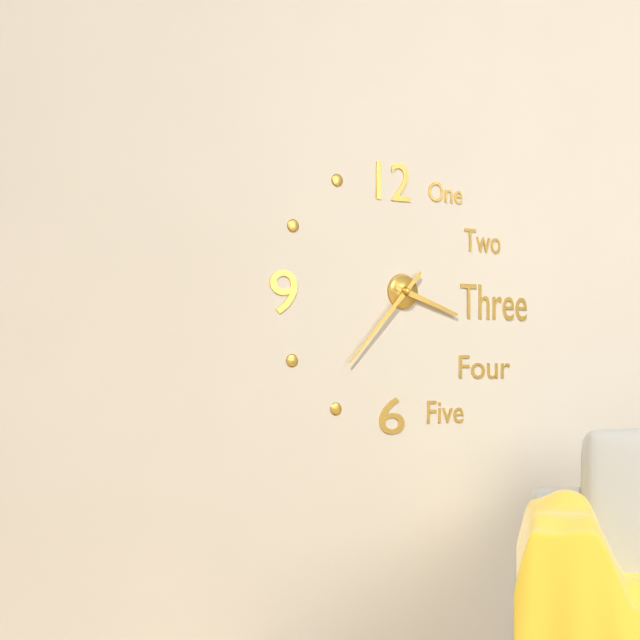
3h37
